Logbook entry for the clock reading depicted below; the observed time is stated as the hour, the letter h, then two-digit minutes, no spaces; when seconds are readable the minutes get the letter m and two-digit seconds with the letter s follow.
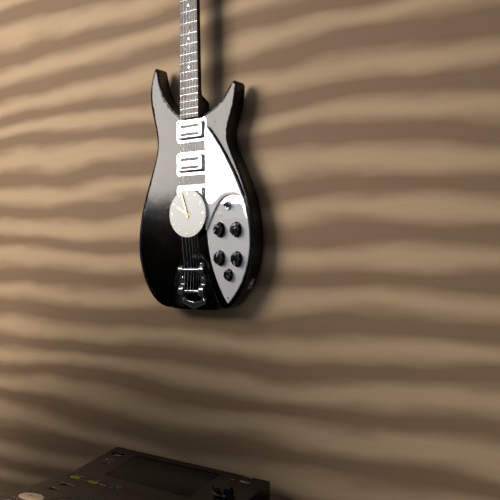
9h57
